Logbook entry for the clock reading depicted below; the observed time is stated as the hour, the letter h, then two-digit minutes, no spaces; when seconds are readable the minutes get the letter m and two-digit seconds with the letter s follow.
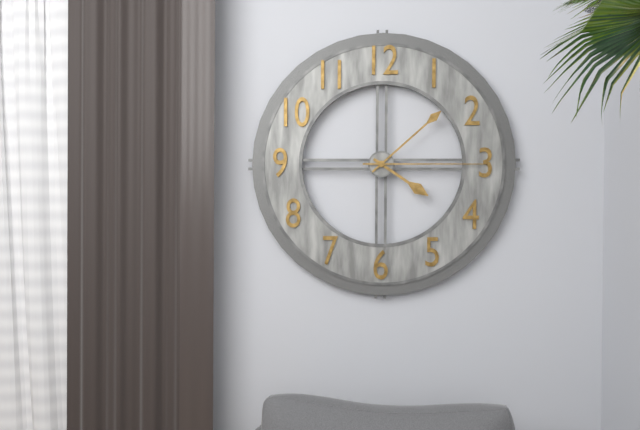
4h08m15s
